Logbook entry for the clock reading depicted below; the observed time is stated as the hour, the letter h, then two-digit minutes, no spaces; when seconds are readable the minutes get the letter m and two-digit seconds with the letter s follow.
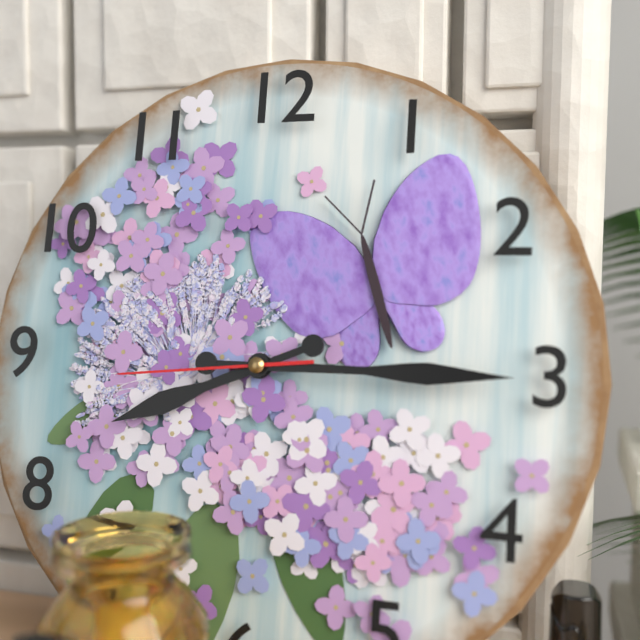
8h15m44s
